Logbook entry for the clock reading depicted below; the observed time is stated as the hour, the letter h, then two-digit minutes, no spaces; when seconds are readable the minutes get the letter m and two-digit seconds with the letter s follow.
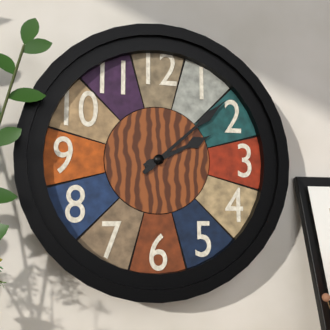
2h08
